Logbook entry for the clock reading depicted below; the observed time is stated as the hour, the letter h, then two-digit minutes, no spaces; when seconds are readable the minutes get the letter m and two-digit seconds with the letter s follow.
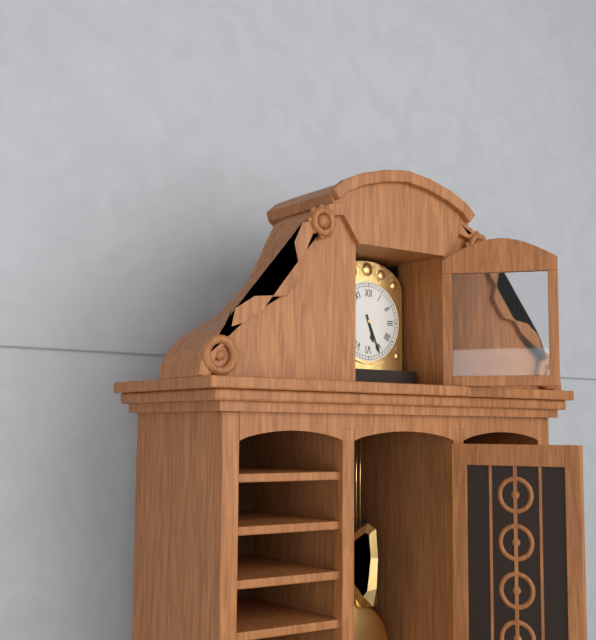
5h26
